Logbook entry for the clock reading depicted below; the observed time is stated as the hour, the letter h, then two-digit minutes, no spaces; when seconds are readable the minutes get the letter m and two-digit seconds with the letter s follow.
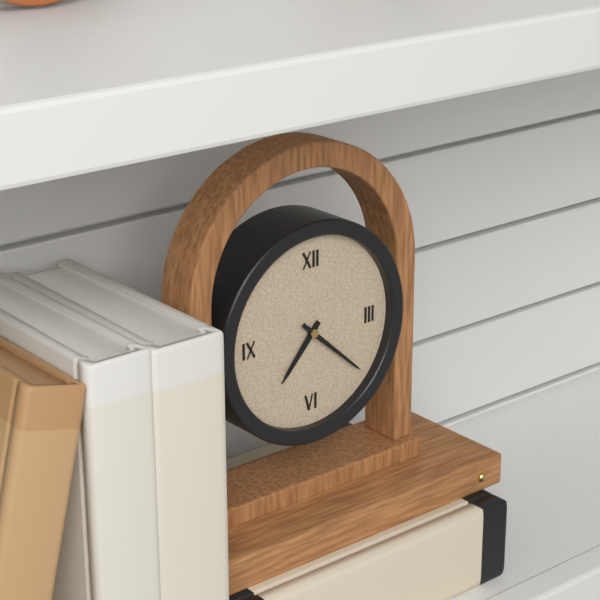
7h22
